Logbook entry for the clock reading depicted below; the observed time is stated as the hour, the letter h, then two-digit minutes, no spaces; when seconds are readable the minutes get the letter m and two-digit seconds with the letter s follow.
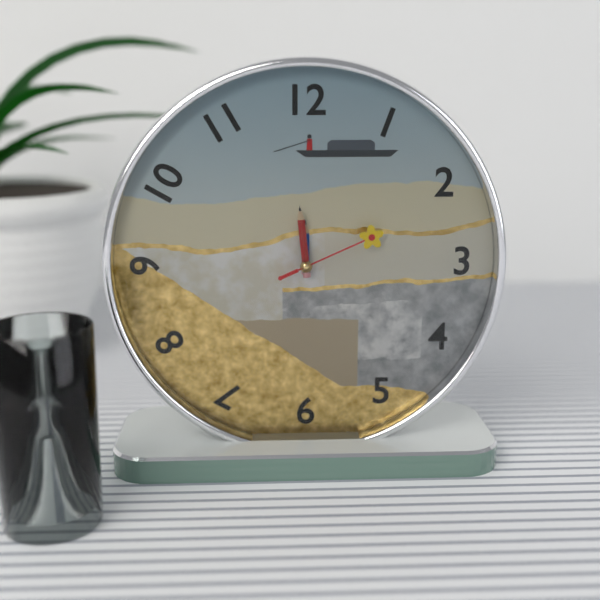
11h59m11s
